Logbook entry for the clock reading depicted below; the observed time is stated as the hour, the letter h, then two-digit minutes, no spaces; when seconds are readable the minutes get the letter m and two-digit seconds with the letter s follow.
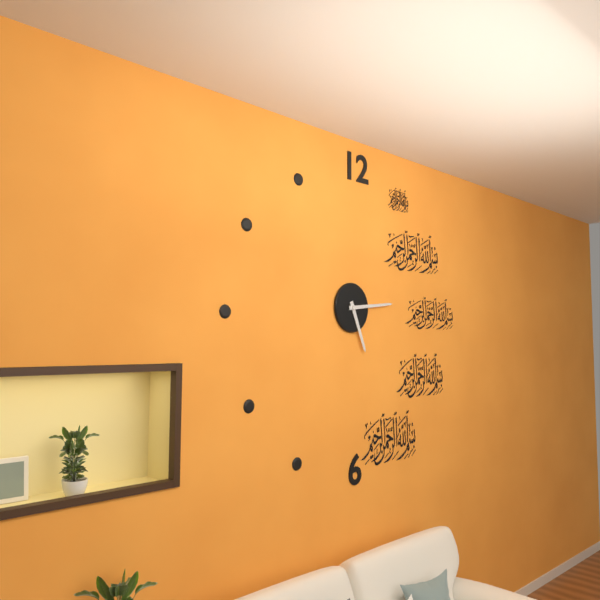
5h14
